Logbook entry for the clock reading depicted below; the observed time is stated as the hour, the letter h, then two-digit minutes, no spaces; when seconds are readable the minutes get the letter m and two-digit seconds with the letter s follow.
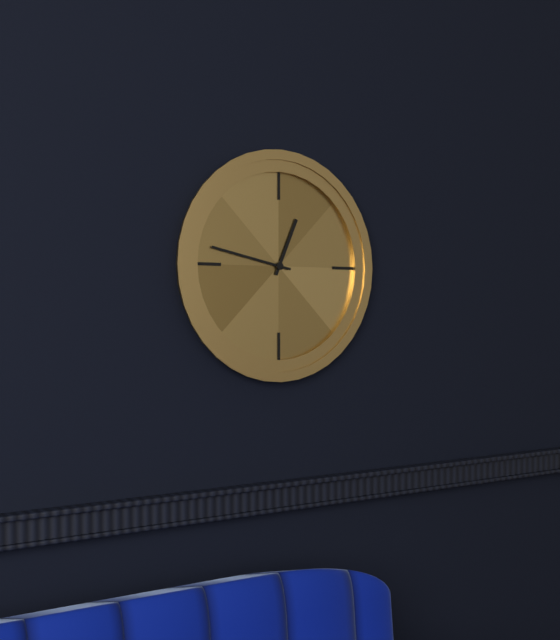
12h47
